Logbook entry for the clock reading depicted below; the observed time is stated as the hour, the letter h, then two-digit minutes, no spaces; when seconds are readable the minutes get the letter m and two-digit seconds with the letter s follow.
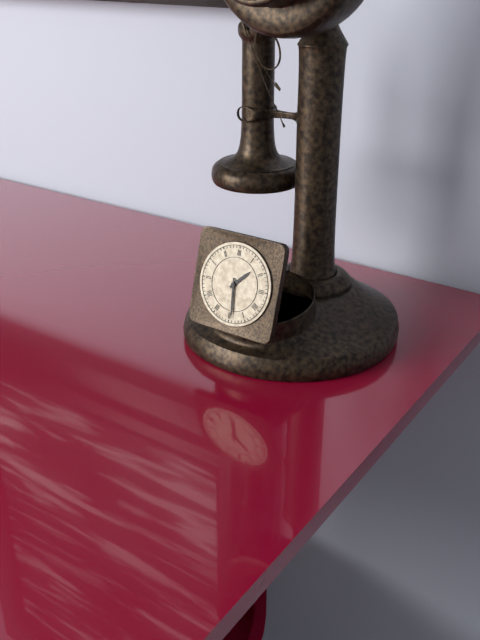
1h29
